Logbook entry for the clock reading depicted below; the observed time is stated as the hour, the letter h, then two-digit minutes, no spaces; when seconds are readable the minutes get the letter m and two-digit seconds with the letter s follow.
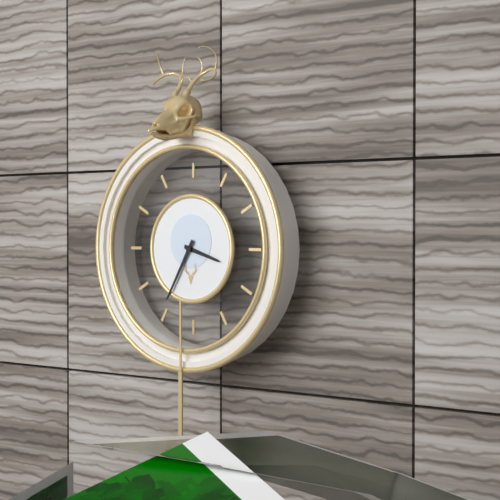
3h35
